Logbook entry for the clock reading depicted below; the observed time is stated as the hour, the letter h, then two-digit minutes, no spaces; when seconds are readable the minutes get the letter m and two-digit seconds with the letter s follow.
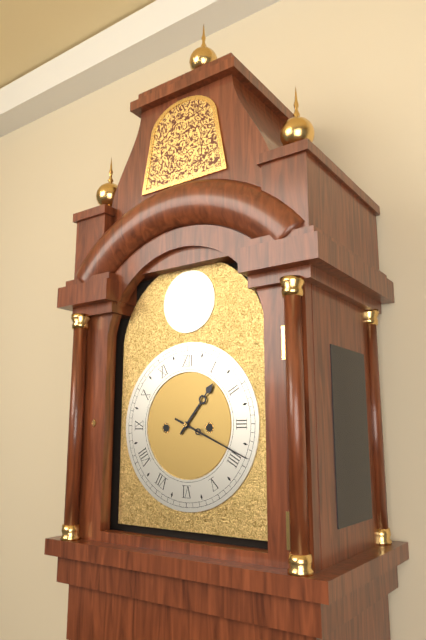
1h19
